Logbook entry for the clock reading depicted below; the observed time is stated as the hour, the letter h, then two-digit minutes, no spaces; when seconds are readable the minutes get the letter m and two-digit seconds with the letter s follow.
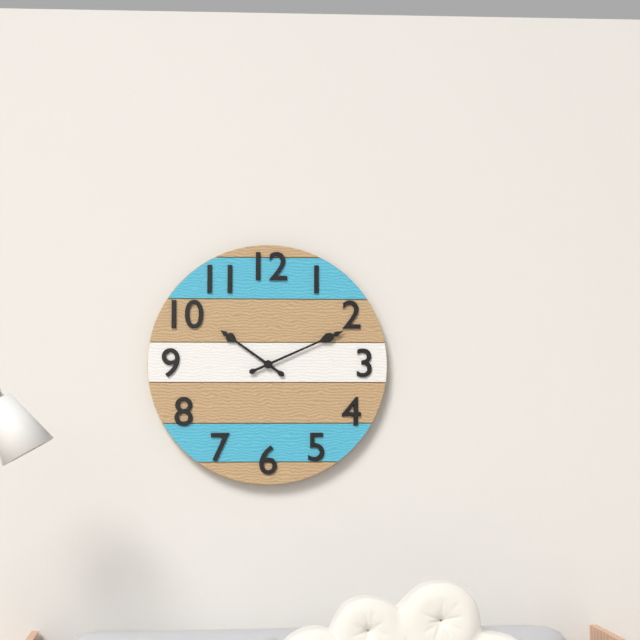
10h11
